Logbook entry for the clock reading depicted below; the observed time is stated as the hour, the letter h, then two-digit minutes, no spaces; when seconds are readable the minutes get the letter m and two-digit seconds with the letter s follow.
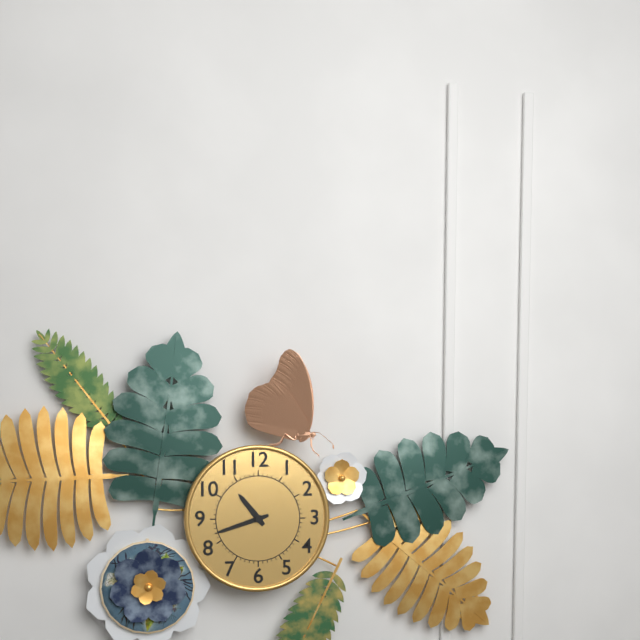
10h42
